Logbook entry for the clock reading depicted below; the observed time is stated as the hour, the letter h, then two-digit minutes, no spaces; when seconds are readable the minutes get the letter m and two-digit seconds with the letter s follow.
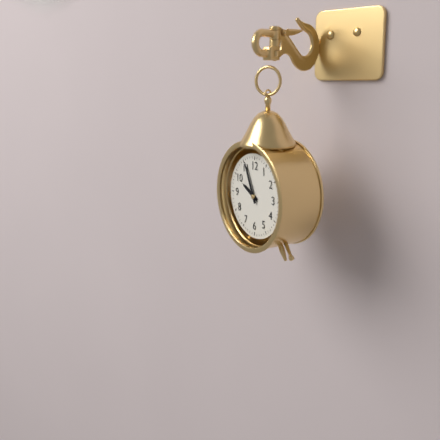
9h56
